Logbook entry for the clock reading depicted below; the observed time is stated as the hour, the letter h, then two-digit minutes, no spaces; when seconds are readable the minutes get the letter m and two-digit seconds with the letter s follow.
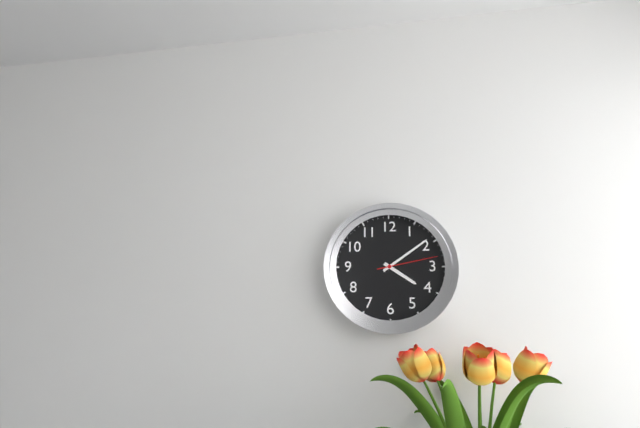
4h09m13s
